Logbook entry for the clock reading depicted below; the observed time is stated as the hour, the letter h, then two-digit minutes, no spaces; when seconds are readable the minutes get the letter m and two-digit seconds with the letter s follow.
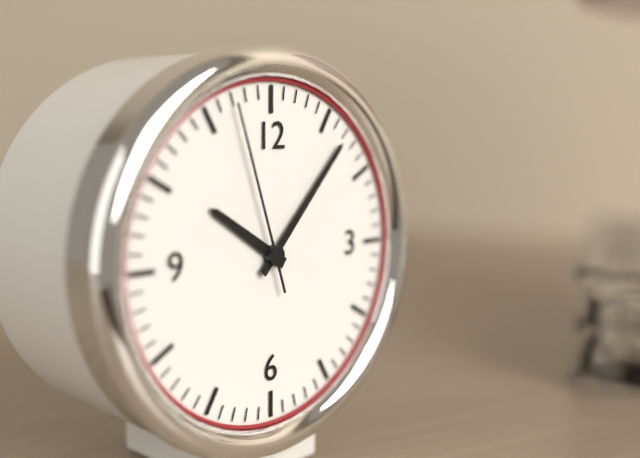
10h07m57s
